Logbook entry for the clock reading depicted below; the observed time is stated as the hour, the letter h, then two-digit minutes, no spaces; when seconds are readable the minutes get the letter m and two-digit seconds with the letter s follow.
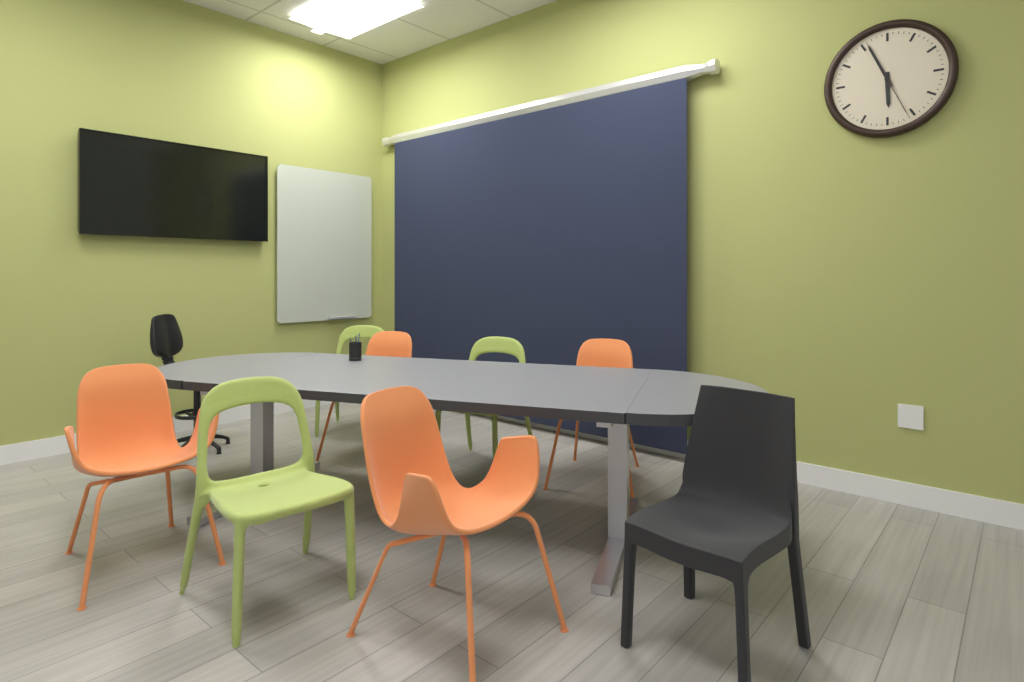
5h56m26s
